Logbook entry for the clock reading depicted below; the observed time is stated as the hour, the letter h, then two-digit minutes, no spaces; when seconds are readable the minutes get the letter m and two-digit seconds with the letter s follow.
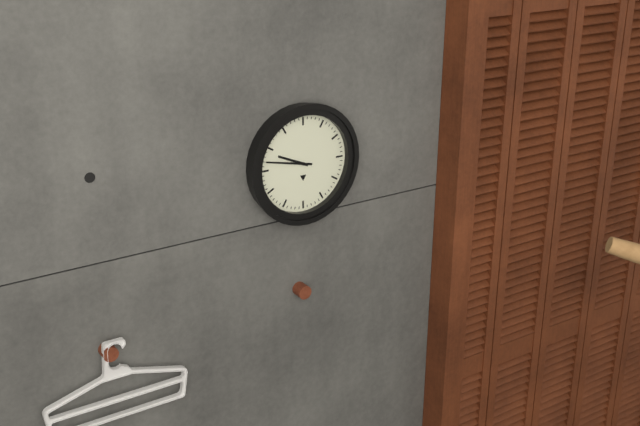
9h47
